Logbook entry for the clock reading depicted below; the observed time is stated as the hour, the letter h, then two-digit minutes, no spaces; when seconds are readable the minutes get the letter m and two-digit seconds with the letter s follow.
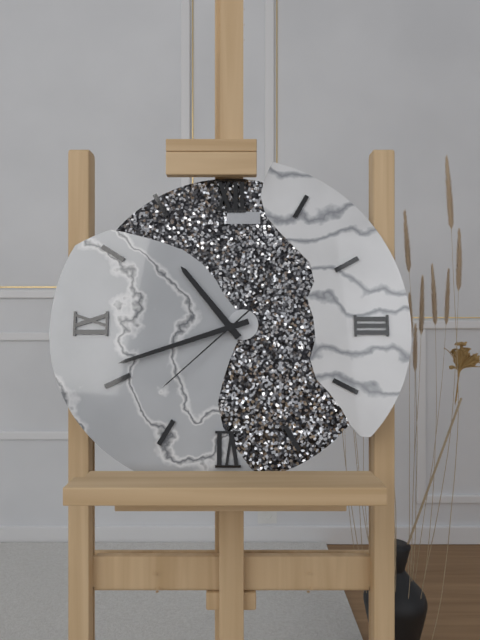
10h42m38s
